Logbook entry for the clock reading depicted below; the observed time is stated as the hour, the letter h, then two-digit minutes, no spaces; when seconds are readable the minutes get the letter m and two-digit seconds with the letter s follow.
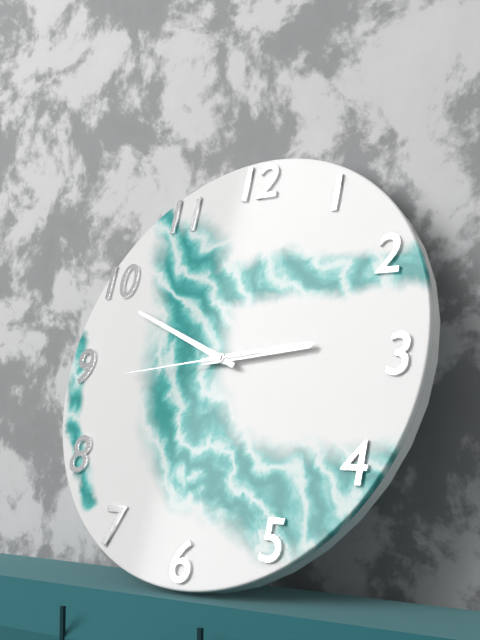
2h49m44s
